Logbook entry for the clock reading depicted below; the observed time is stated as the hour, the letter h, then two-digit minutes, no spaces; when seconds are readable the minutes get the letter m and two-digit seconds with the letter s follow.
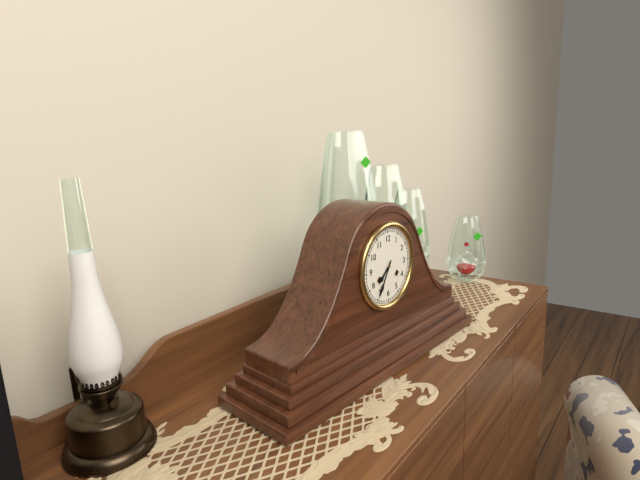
7h35
